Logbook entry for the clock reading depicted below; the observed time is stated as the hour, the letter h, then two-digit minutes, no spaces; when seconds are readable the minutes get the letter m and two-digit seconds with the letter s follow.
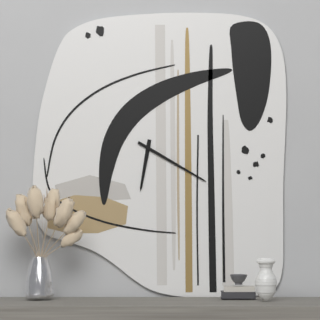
6h20
